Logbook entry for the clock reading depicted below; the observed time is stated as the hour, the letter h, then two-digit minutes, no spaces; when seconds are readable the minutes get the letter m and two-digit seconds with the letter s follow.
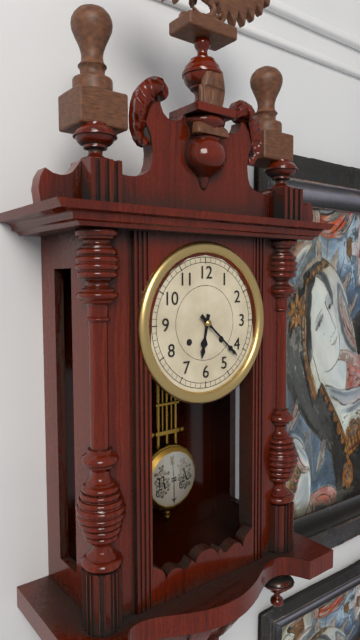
6h22
